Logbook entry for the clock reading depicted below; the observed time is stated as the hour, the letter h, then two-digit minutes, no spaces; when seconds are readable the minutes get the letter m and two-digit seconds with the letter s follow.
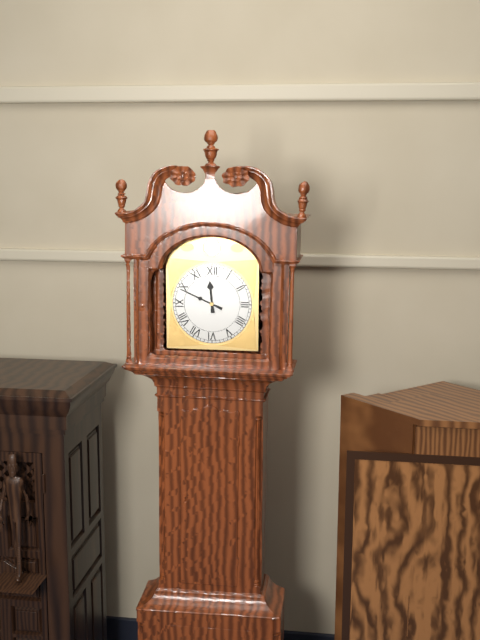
11h49
